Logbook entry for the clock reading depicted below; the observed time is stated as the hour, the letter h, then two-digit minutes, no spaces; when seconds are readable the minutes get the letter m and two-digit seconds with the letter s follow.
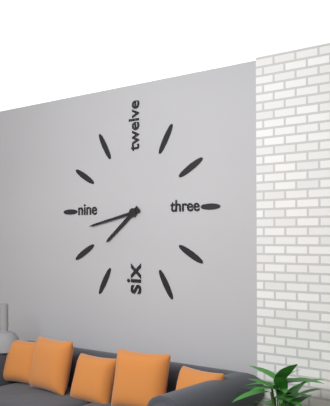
7h43
